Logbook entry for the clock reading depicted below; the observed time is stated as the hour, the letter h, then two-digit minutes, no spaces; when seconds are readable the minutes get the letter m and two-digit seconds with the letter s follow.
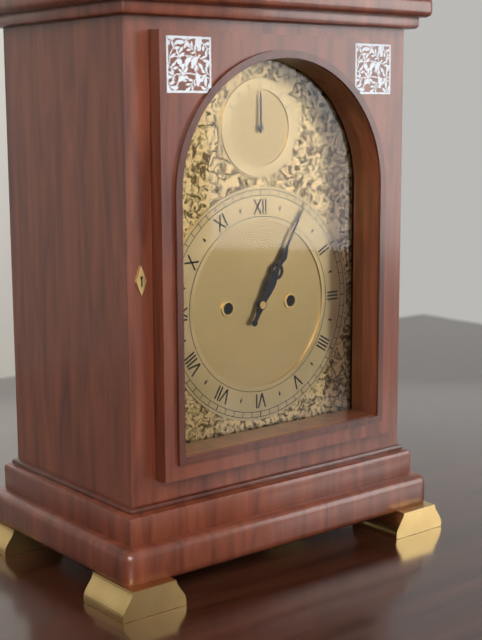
1h05
